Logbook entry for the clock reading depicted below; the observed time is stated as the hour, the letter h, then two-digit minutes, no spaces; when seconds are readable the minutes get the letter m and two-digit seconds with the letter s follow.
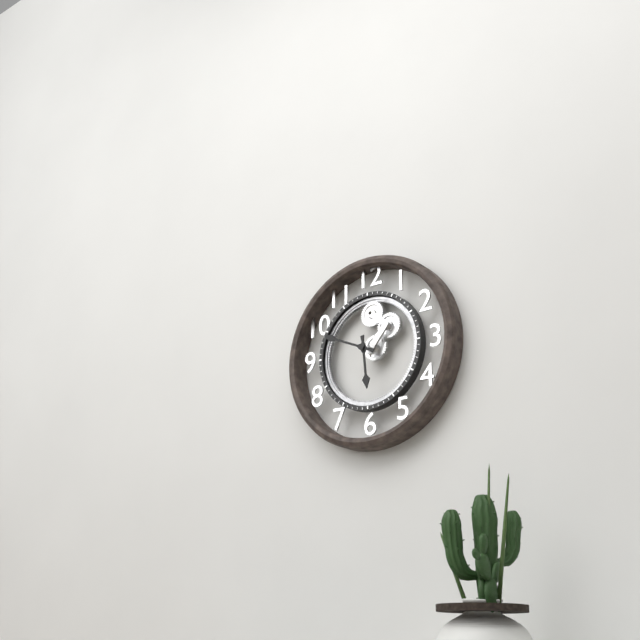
5h49
